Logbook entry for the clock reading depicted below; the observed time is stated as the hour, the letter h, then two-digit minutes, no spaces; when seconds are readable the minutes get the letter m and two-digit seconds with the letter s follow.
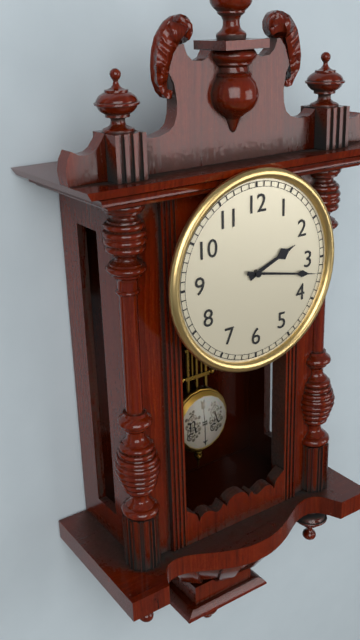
2h17
